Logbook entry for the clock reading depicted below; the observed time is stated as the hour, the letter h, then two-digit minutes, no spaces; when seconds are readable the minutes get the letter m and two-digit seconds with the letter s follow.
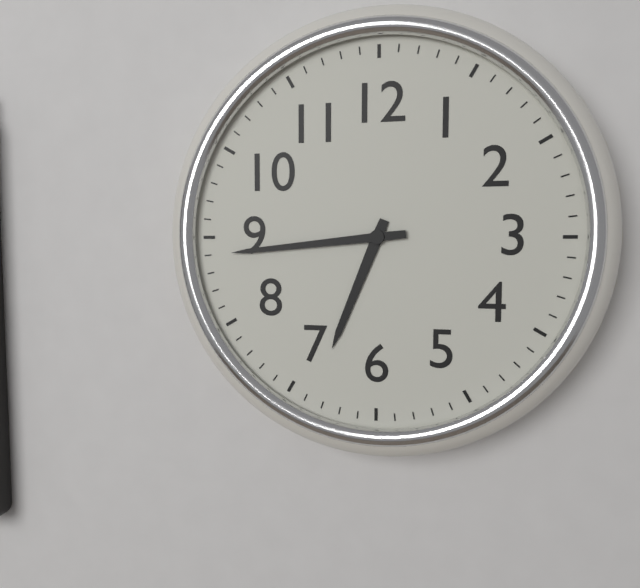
6h44
